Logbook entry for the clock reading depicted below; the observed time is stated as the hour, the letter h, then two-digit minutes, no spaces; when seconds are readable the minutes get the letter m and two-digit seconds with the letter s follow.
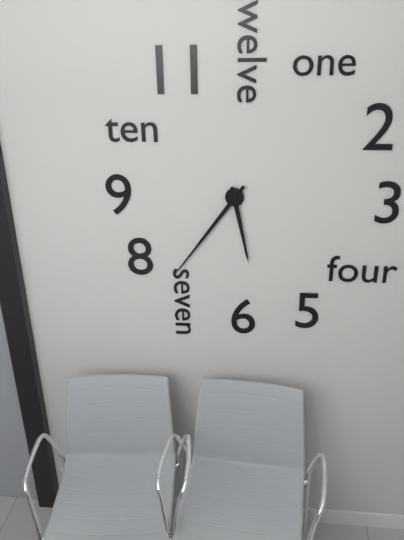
5h36
